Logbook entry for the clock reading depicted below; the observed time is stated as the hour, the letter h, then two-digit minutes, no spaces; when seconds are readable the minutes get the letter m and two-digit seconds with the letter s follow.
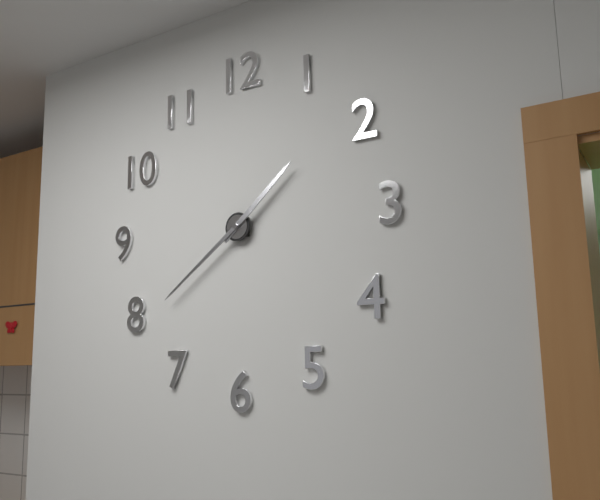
1h39
